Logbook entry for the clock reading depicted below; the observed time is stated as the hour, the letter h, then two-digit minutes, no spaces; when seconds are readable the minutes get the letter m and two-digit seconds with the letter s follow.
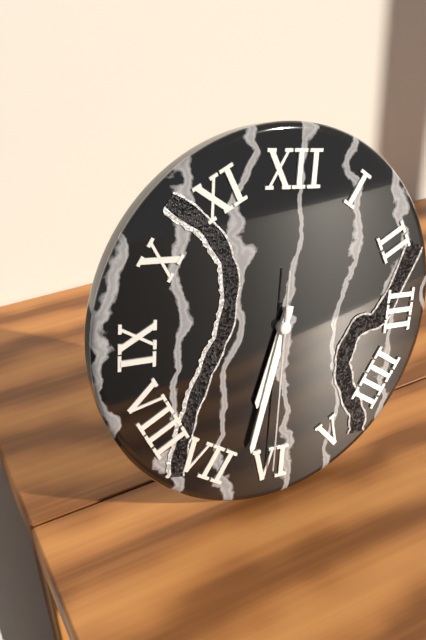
6h32m30s
